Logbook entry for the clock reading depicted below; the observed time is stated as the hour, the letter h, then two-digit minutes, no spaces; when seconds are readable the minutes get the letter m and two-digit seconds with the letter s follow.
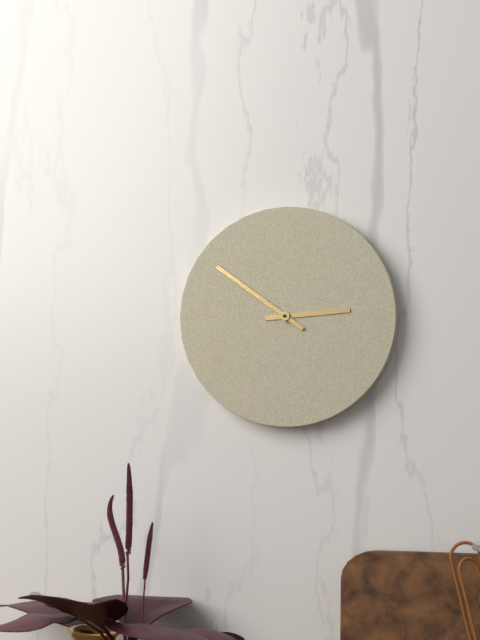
2h51
